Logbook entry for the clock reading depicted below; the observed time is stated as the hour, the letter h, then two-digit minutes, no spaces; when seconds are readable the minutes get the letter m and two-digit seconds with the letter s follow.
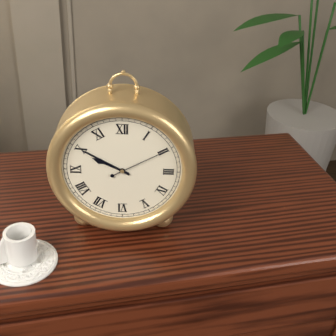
9h50m10s
